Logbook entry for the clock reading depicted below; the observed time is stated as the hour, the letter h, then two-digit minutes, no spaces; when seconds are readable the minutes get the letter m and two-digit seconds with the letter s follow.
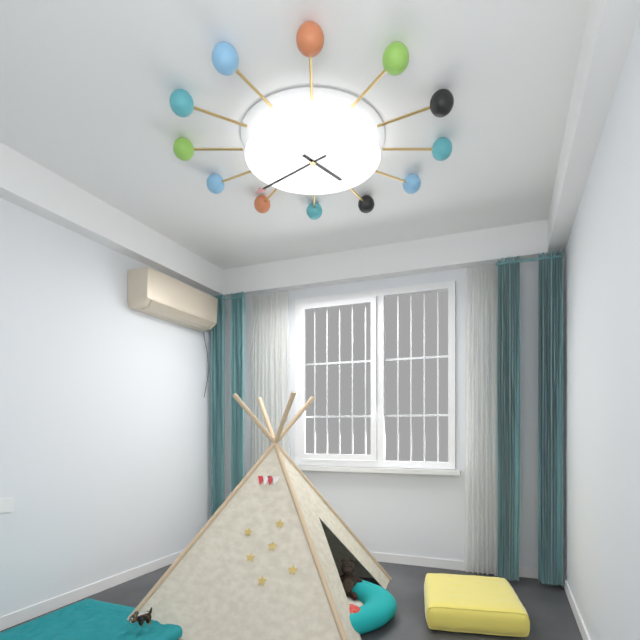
4h38
